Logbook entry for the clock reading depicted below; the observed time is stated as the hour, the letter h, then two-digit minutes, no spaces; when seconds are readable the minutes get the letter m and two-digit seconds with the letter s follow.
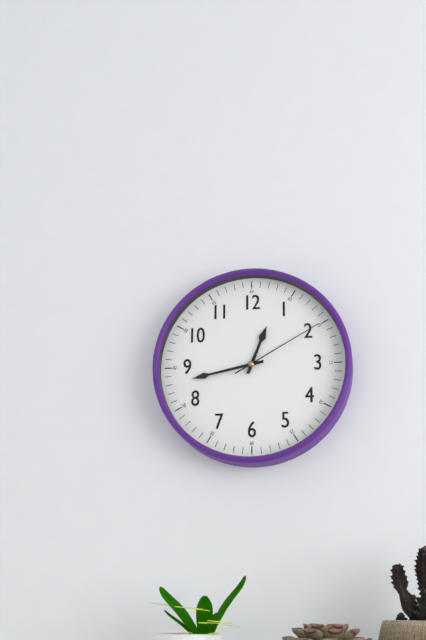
12h43m10s
